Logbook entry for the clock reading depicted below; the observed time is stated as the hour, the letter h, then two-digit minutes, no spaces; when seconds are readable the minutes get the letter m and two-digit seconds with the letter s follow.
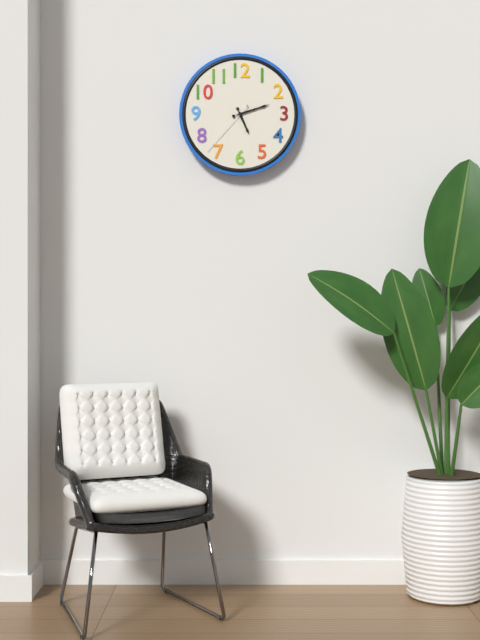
5h12m37s
